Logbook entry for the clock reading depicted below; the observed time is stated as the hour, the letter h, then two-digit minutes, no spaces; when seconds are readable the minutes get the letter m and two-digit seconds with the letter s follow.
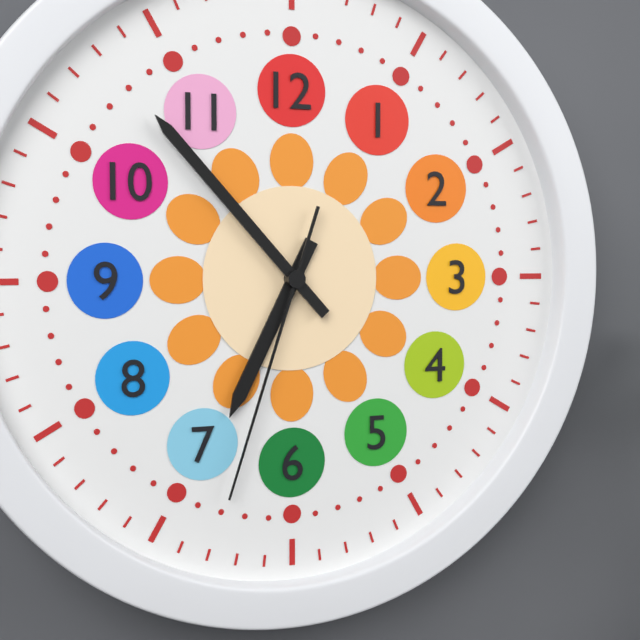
6h53m33s
